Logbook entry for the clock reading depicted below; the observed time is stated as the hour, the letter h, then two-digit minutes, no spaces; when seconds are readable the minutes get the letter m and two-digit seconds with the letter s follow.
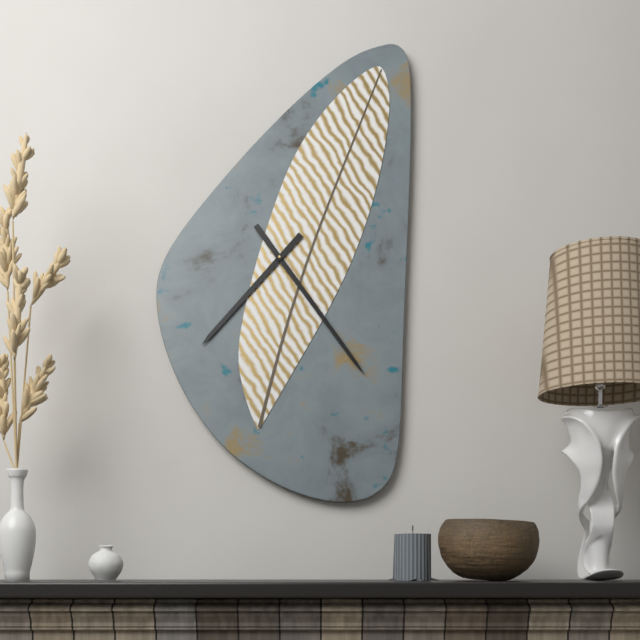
7h24
